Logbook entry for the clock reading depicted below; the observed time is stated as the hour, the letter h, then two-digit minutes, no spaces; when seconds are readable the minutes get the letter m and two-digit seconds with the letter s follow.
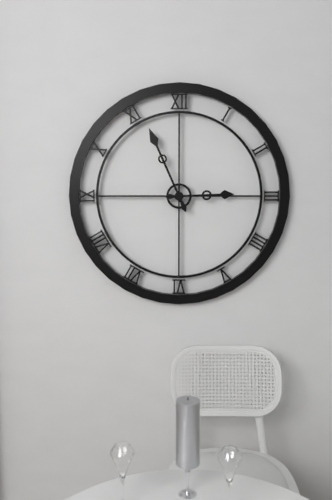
2h56
